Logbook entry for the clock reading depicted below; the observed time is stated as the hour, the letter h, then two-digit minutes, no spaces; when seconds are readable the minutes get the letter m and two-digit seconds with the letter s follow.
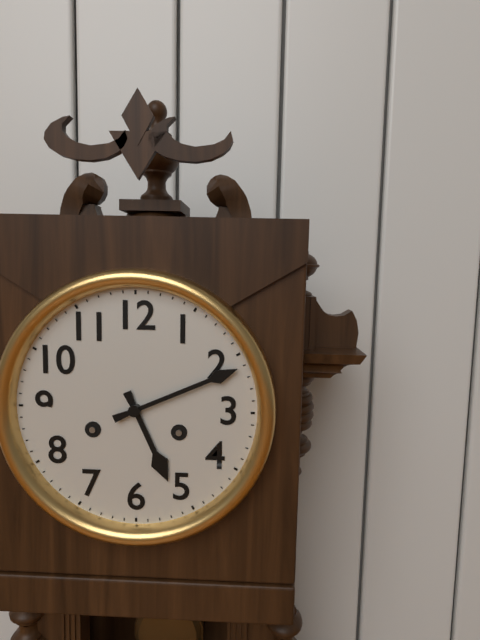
5h11
